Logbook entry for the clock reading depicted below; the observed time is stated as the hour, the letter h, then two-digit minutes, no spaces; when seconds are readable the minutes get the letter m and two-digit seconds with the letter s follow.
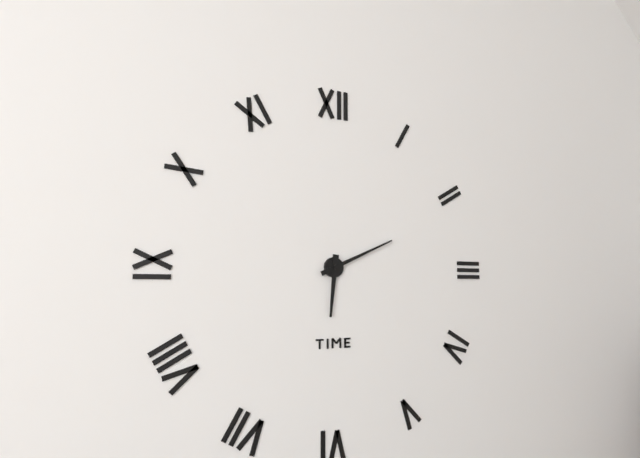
6h11
